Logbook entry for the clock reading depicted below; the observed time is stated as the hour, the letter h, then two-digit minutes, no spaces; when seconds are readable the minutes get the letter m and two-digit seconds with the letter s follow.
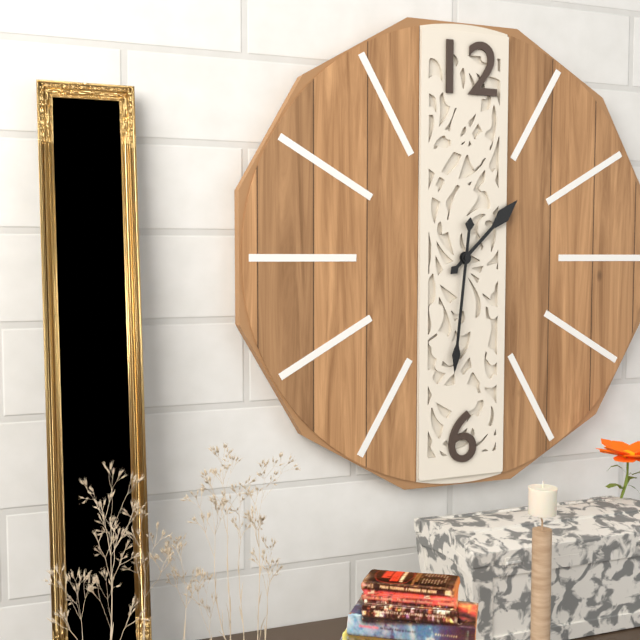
1h31
